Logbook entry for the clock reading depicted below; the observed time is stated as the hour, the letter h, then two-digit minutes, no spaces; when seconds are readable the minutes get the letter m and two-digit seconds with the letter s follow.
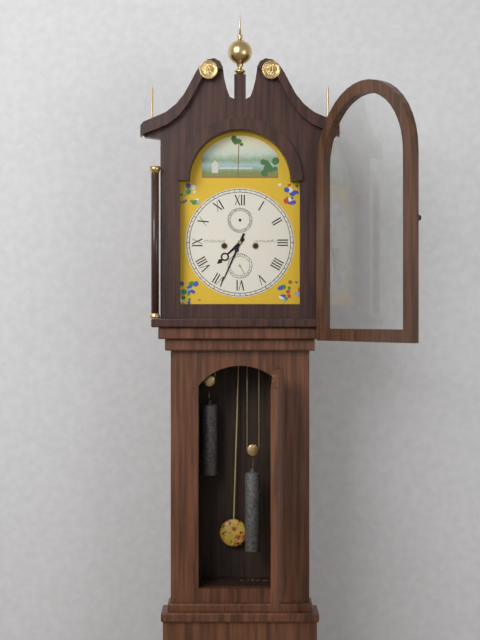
7h34
